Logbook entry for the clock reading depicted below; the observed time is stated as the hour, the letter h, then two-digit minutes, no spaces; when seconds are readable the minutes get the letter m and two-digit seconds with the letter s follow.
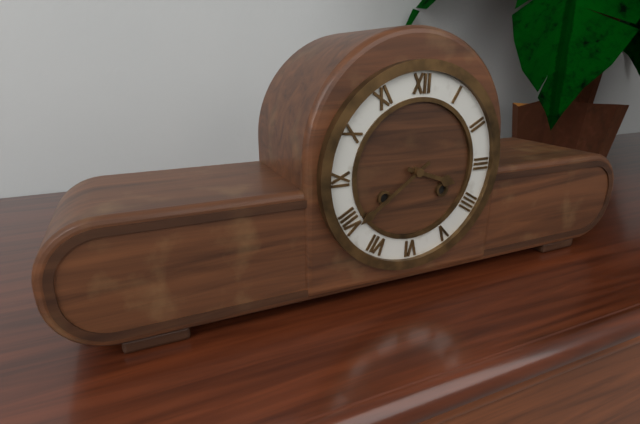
3h39
